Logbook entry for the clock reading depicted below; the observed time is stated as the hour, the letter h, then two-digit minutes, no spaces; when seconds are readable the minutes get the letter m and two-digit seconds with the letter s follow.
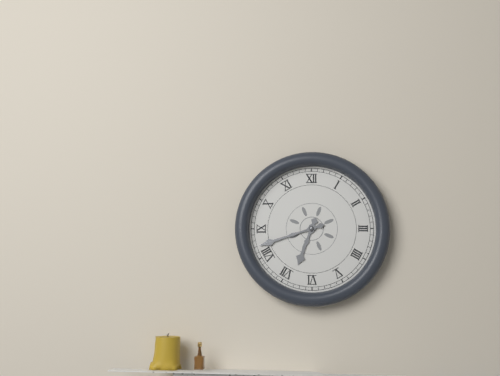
6h42
